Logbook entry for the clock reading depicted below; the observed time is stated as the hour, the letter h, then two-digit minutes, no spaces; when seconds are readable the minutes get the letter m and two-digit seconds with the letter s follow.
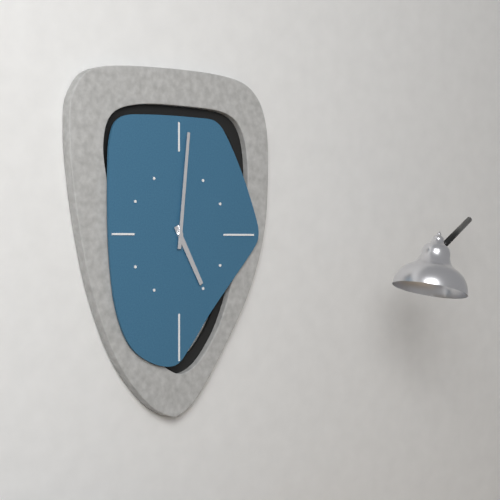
5h01
